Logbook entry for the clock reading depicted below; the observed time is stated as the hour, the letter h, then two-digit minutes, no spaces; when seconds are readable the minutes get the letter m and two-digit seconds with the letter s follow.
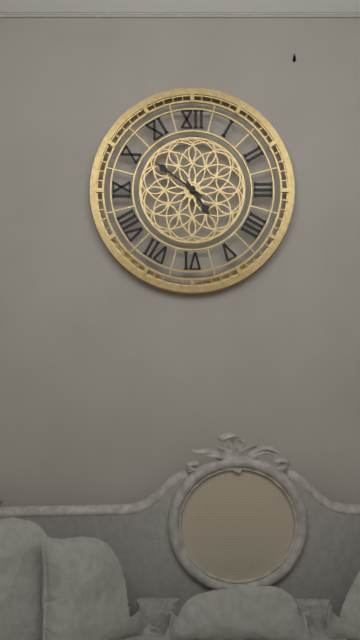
4h51
